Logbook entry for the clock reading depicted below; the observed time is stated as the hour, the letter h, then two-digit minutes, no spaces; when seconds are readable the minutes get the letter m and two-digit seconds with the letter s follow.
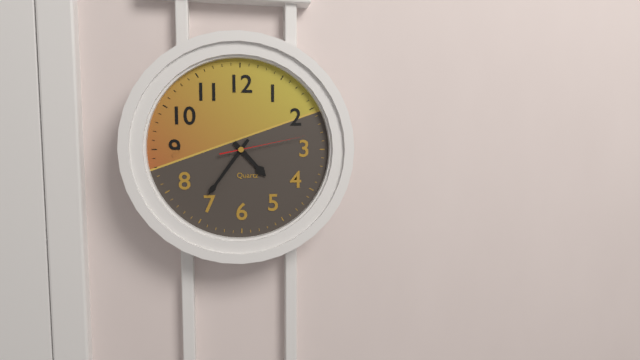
4h36m13s
